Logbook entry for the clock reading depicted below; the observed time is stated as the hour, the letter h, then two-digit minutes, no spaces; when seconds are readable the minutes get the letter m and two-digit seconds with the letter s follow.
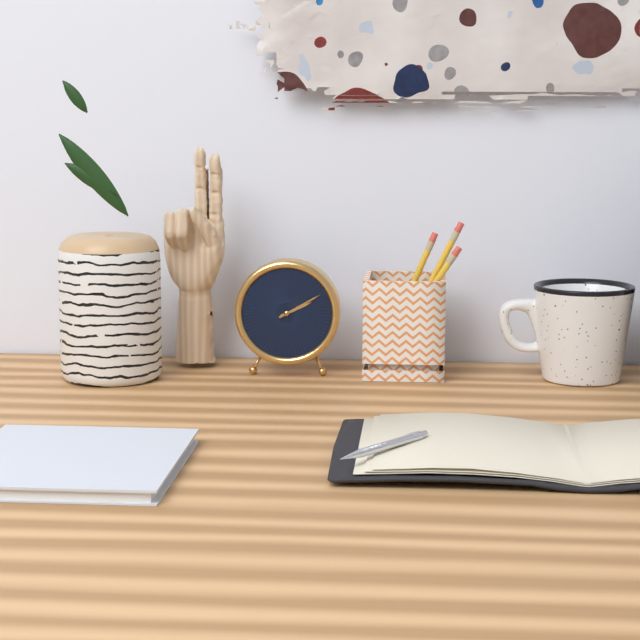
2h10
